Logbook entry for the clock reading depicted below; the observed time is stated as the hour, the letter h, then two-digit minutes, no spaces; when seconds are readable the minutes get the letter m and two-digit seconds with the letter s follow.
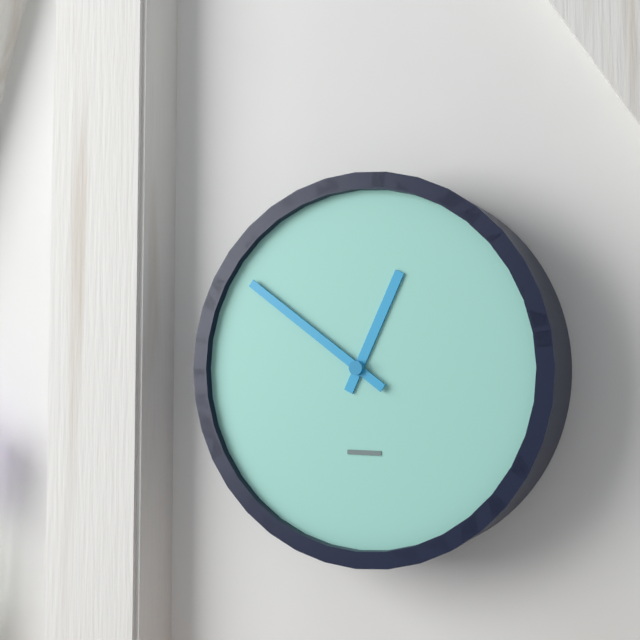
12h51
